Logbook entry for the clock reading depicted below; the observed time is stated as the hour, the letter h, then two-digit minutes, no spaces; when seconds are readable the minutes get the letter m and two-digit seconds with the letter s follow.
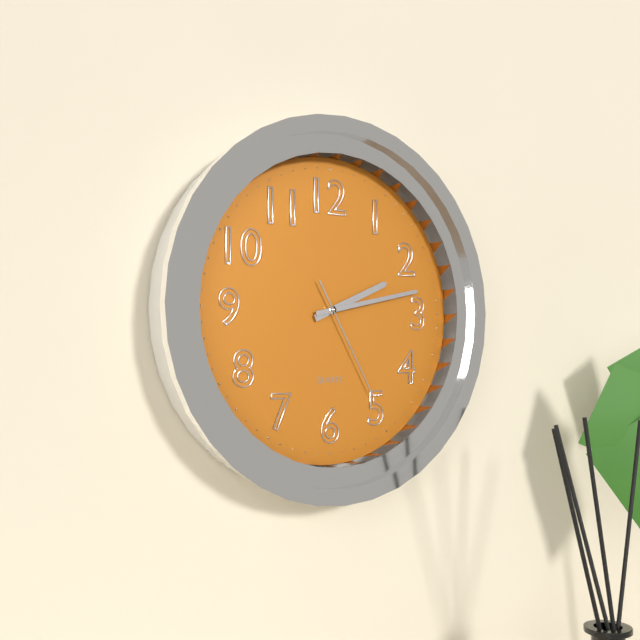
2h13m25s
